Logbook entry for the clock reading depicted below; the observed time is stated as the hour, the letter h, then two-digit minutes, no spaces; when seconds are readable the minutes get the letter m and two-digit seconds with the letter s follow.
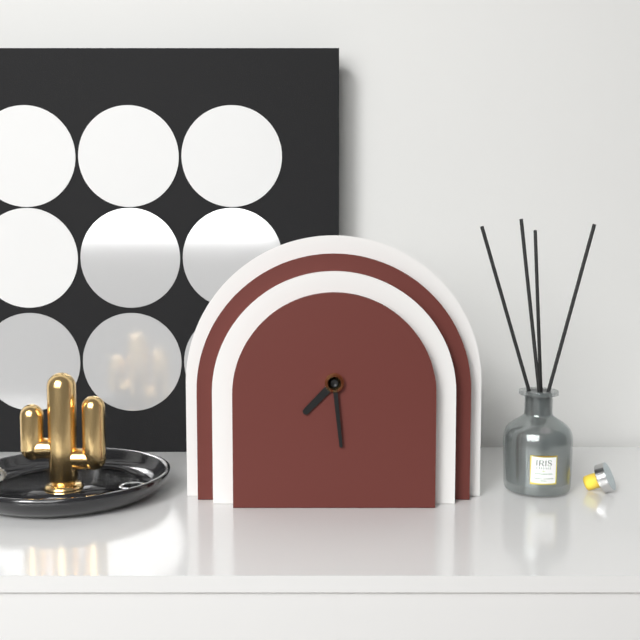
7h29
